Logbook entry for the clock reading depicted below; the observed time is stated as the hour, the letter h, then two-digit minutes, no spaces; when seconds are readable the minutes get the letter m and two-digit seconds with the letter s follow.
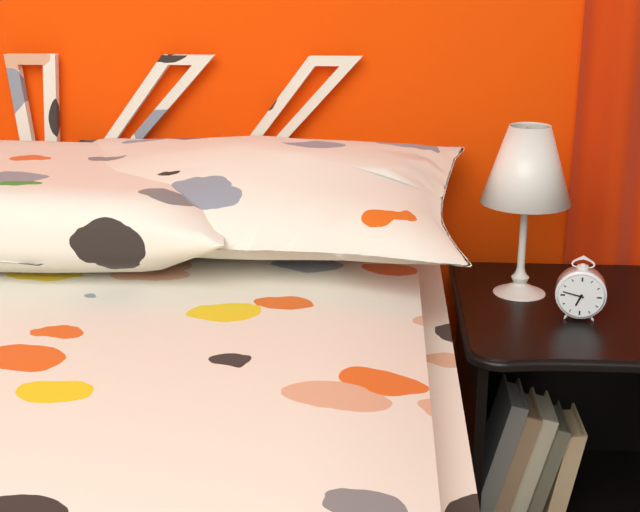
6h47
